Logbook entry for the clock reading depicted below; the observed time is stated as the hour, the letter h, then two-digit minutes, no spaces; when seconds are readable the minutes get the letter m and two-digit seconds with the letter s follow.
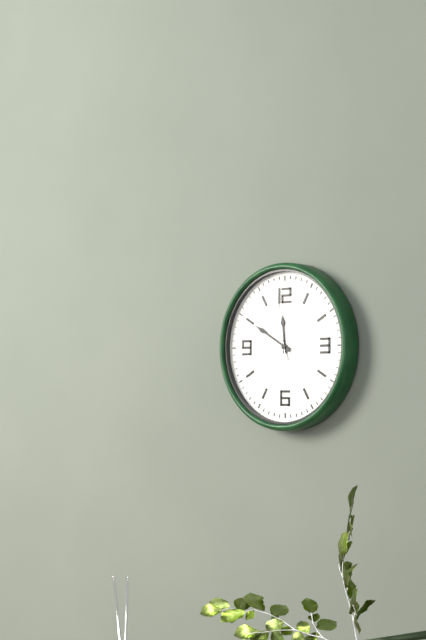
11h50m58s
